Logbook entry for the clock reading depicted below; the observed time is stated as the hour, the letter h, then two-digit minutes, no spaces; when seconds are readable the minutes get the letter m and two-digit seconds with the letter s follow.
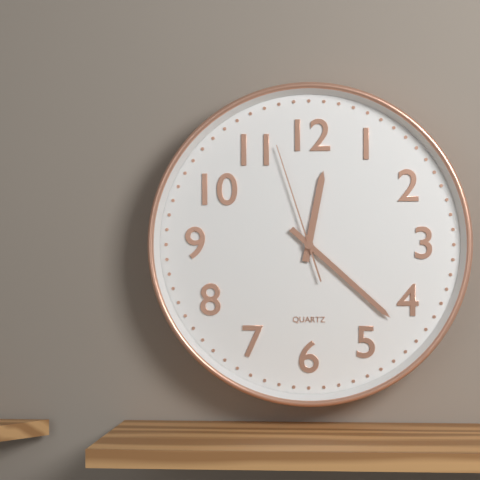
12h22m57s
